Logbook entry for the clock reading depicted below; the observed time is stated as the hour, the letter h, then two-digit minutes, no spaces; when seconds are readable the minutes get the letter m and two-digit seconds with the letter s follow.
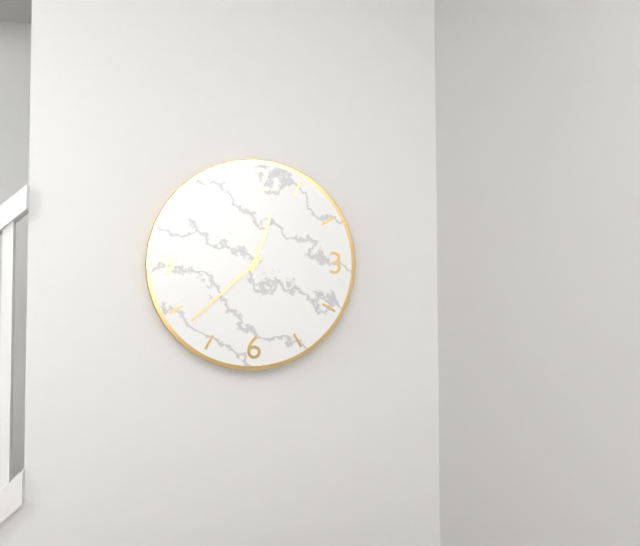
12h38
